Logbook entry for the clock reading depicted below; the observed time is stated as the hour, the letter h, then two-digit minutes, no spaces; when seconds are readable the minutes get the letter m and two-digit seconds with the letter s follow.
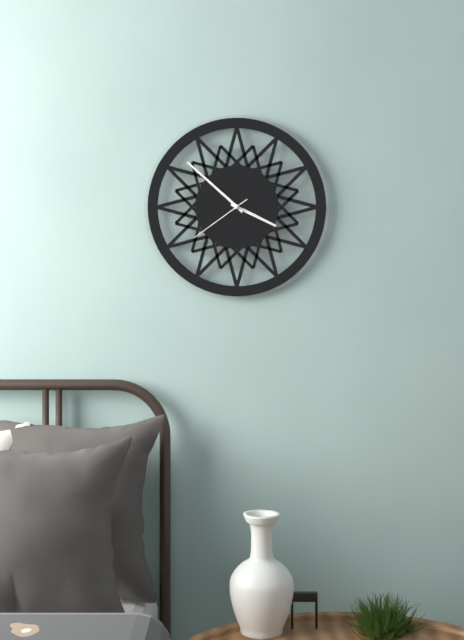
3h52m39s
